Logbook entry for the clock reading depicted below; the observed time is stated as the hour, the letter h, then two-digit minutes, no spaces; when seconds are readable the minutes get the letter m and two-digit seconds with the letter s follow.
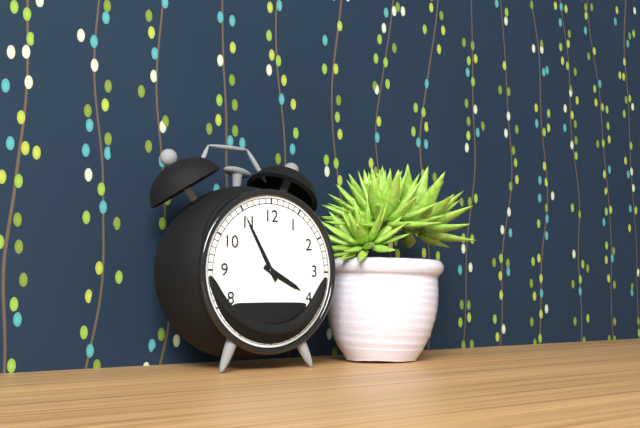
3h55
